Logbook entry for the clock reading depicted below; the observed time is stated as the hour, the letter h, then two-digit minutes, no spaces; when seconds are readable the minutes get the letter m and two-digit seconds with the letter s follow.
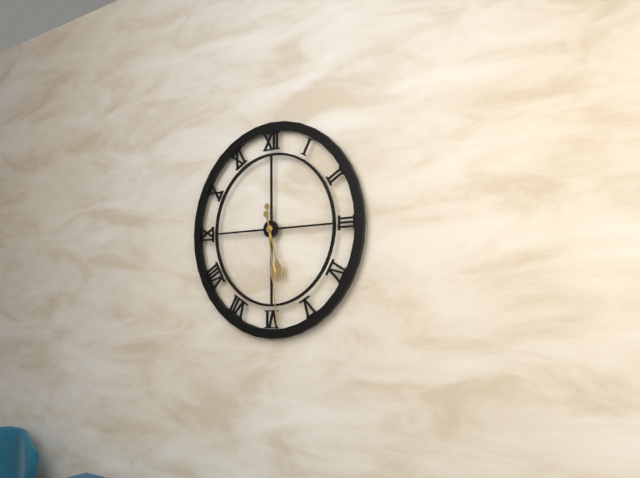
5h29
